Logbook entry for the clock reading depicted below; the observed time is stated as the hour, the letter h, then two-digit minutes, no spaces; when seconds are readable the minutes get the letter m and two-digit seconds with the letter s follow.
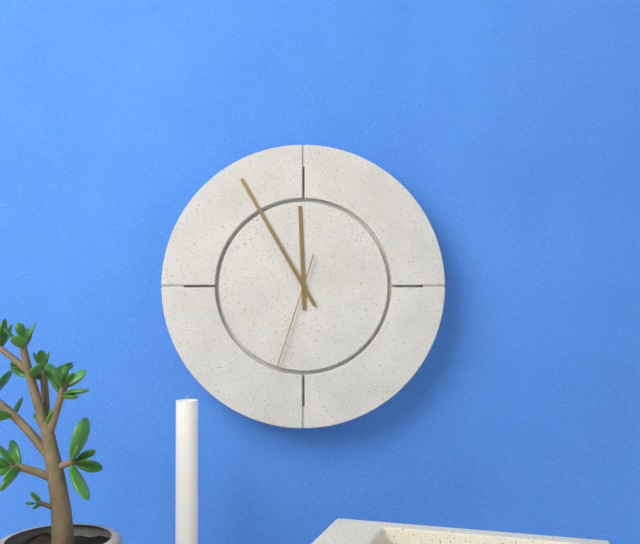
11h55m33s
